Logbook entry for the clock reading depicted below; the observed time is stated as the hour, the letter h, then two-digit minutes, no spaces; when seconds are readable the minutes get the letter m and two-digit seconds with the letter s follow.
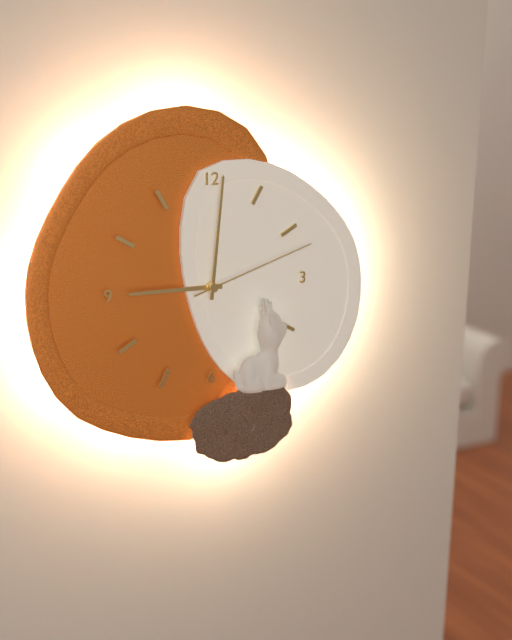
9h01m12s
